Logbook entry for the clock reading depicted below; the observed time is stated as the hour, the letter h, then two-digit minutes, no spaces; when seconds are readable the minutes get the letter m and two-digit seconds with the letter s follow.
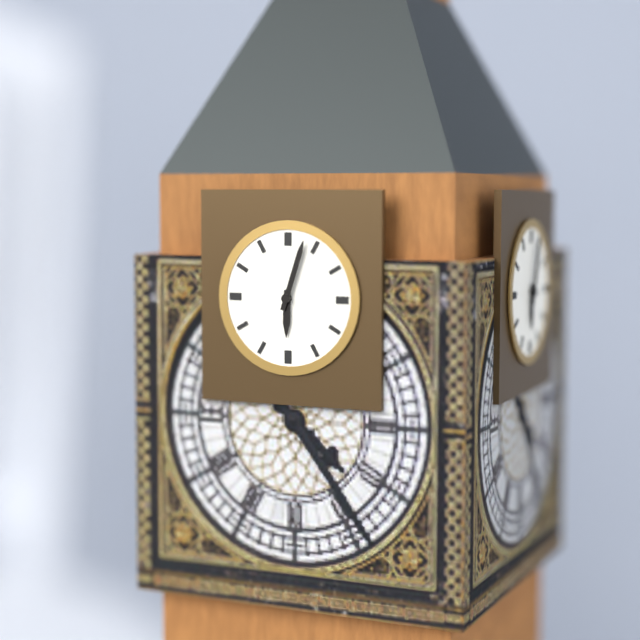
6h03
